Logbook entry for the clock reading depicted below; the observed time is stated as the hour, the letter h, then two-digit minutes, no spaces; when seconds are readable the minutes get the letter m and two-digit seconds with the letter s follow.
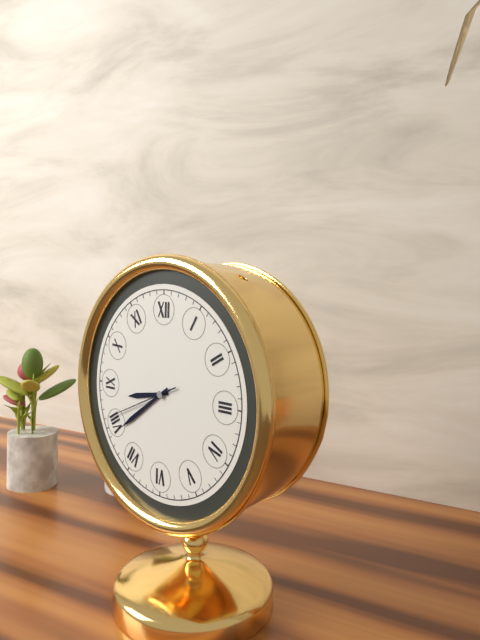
8h39m41s
